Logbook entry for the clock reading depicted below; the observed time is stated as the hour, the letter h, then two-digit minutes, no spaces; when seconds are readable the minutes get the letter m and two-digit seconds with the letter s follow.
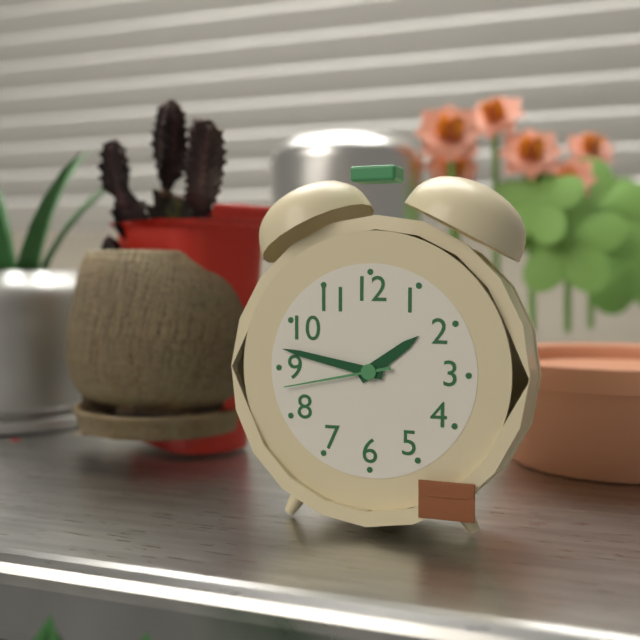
1h47m43s
